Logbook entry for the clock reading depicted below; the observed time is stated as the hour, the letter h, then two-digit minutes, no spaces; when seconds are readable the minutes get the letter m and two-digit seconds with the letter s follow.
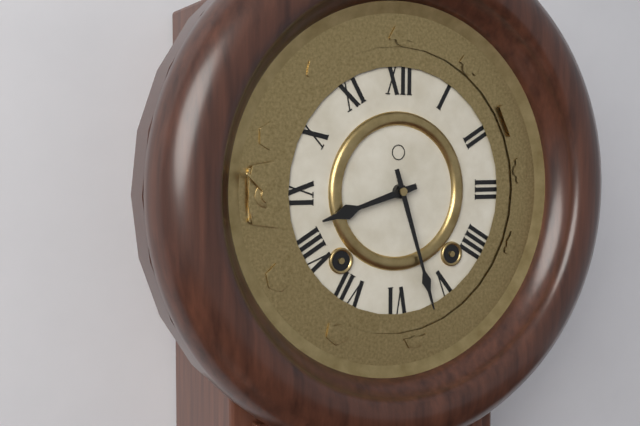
8h27
